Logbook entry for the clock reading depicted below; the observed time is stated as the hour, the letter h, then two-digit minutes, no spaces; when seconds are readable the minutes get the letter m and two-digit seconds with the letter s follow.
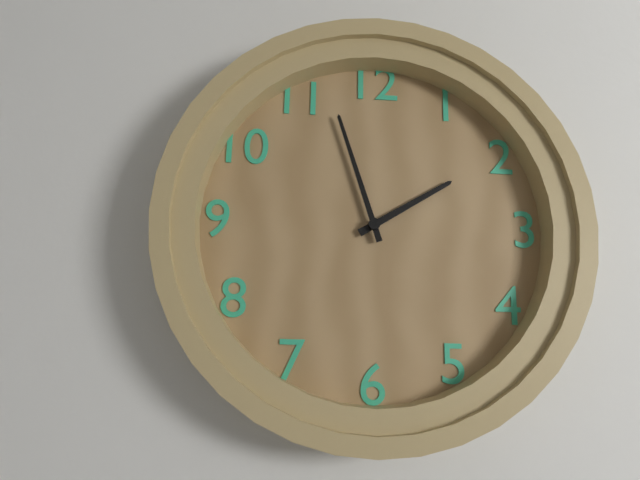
1h57
